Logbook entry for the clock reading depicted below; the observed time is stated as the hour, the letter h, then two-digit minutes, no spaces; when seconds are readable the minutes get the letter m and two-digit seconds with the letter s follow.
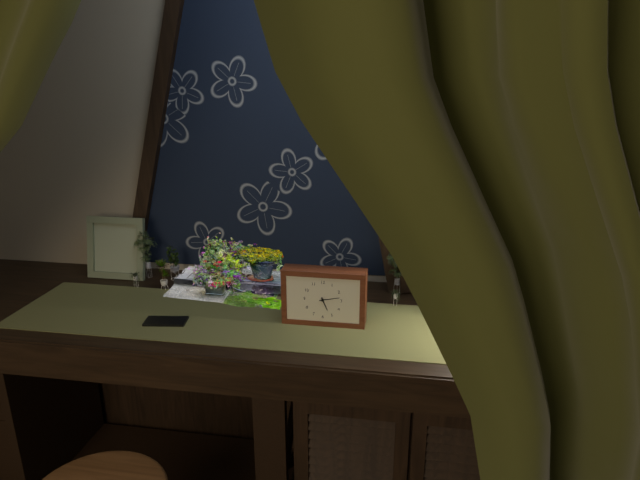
5h13
